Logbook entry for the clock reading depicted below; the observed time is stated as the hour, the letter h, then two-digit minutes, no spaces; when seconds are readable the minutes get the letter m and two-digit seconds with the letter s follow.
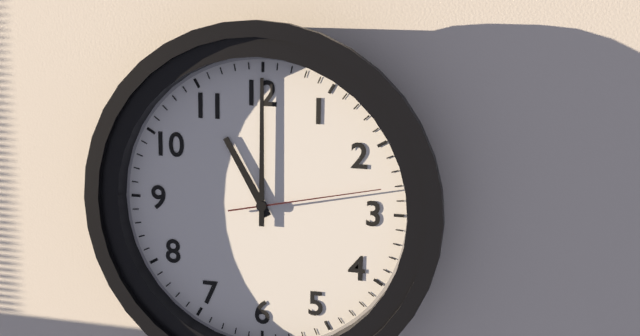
11h00m13s
